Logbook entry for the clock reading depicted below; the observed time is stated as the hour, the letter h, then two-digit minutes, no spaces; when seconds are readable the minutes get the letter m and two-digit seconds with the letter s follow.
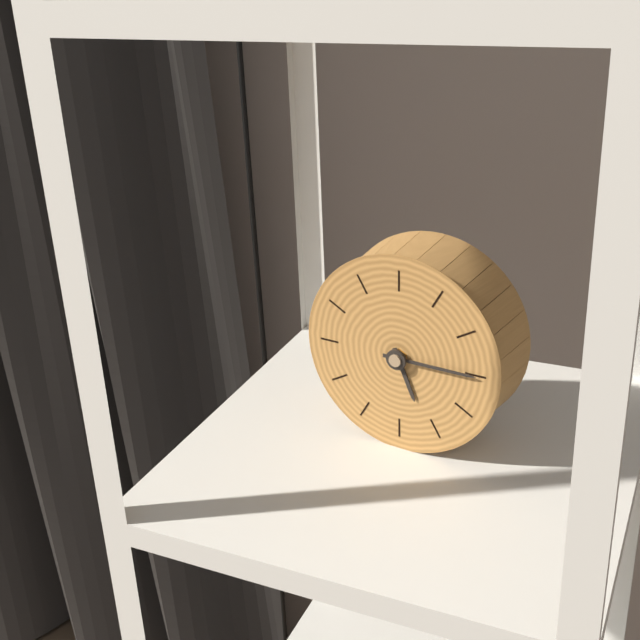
5h15
